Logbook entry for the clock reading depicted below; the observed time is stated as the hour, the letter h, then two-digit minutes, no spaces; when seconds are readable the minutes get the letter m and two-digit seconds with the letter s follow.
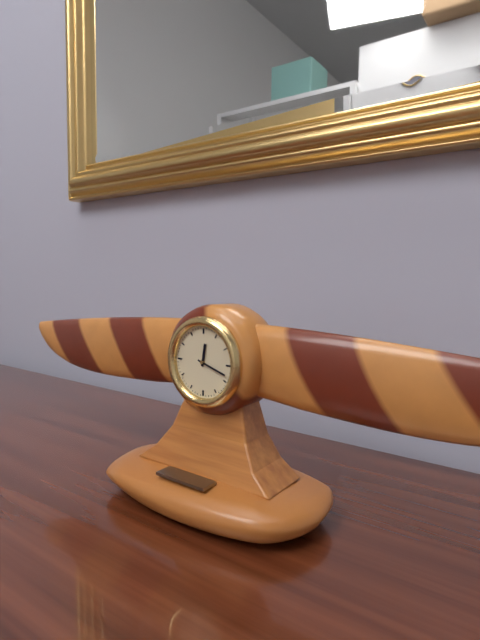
12h18
